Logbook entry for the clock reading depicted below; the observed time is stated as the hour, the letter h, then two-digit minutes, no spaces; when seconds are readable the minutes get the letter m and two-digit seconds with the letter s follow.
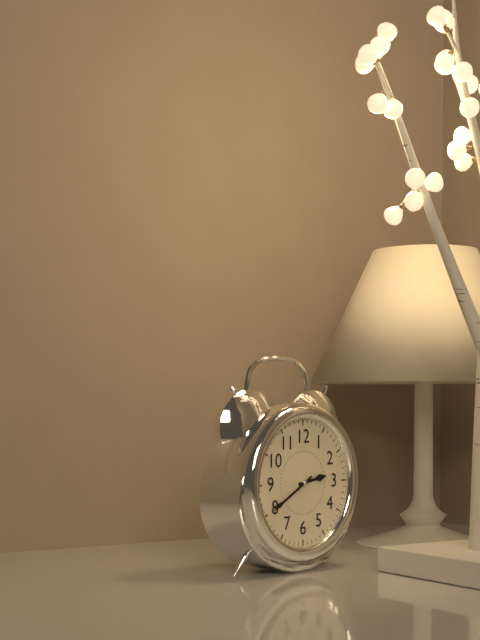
2h40
